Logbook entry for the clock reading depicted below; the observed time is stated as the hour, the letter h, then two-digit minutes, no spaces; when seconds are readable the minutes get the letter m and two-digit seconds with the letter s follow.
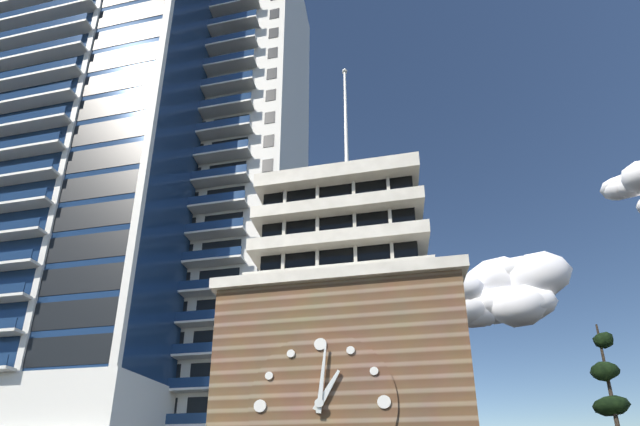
1h01
